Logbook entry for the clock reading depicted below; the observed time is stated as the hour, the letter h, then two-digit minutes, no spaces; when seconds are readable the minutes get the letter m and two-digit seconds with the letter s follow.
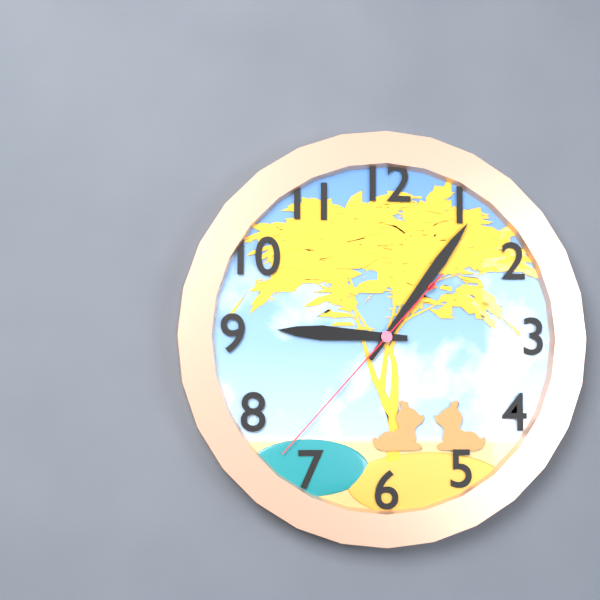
9h06m37s
